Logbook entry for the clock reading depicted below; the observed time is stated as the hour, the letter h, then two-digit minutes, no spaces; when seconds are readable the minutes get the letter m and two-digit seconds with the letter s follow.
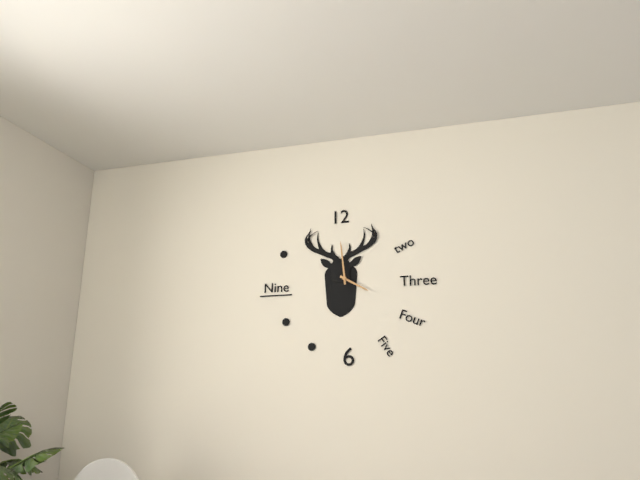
3h59
